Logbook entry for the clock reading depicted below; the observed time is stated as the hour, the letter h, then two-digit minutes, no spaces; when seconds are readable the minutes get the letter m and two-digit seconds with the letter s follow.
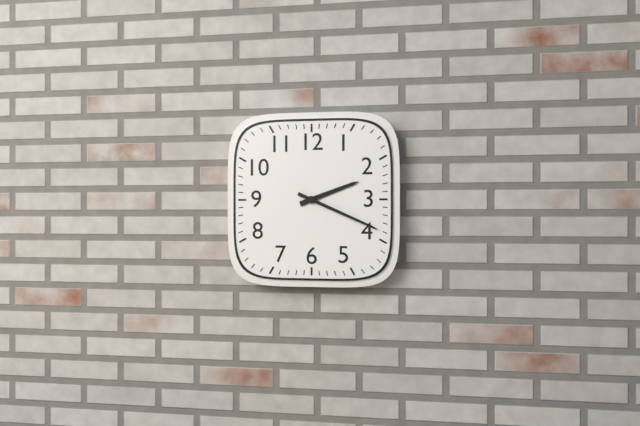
2h19
